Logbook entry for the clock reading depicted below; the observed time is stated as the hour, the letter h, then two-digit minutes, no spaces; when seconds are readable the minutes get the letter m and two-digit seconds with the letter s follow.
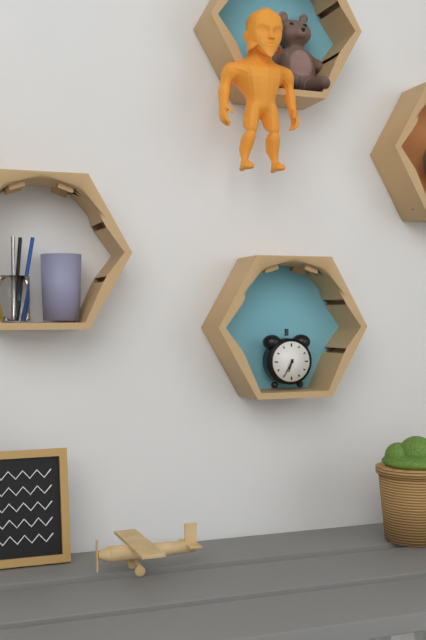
6h35
